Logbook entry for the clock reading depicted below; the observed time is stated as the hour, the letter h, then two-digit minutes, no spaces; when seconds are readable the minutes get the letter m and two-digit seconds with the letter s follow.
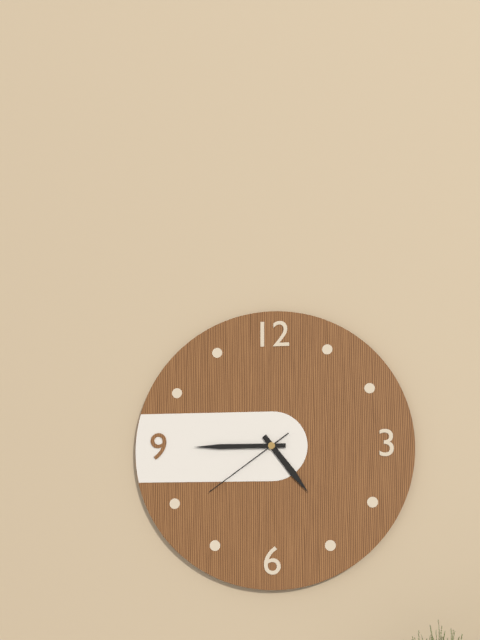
4h45m39s
